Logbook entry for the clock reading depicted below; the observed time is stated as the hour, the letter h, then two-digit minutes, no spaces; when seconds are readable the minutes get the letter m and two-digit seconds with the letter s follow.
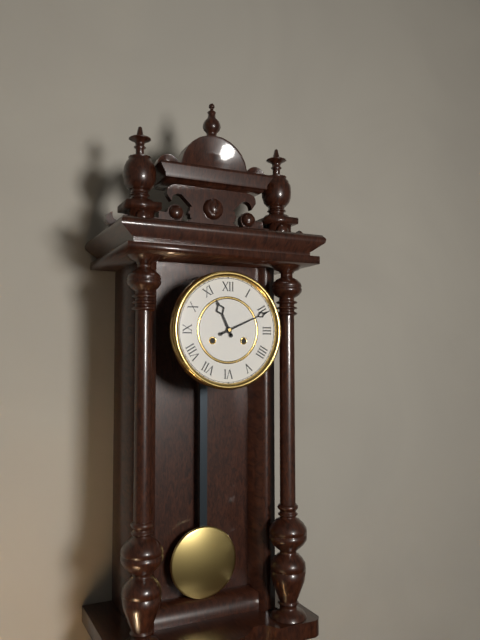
11h11
